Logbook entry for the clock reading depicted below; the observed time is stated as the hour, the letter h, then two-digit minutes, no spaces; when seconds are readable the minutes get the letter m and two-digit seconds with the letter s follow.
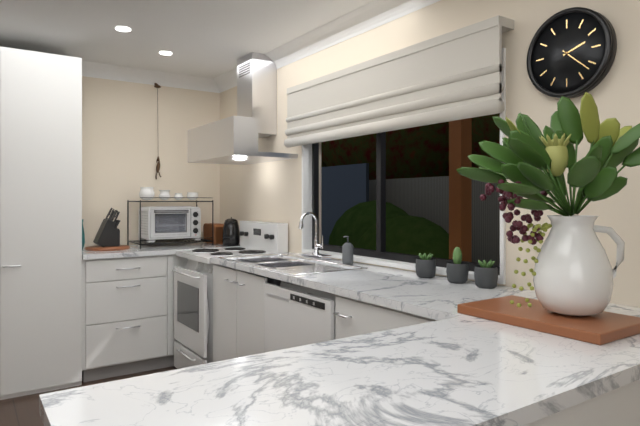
2h22
